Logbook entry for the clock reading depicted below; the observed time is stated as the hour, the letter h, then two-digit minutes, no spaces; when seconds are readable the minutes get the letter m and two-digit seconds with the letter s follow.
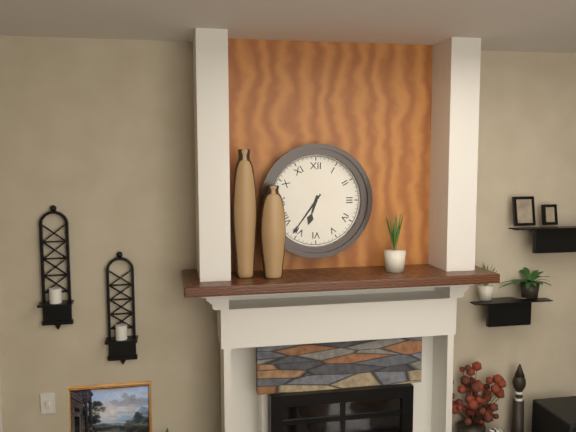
6h36
